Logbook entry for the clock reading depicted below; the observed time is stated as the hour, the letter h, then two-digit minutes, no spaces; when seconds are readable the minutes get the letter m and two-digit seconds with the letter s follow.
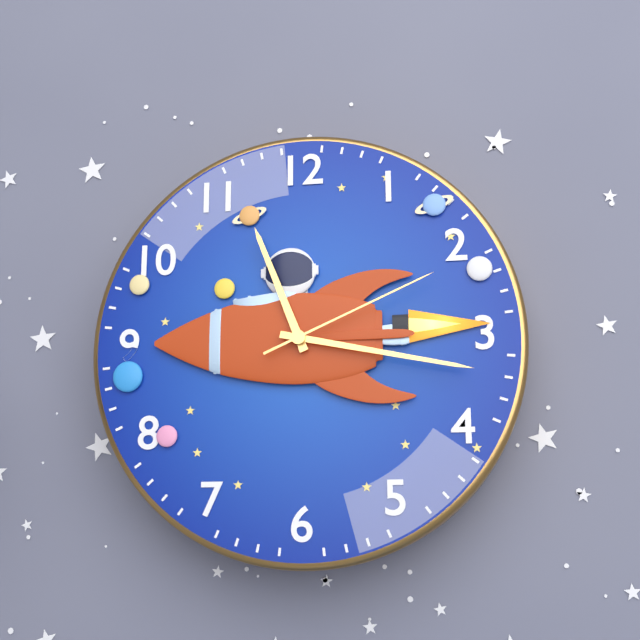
11h17m11s
